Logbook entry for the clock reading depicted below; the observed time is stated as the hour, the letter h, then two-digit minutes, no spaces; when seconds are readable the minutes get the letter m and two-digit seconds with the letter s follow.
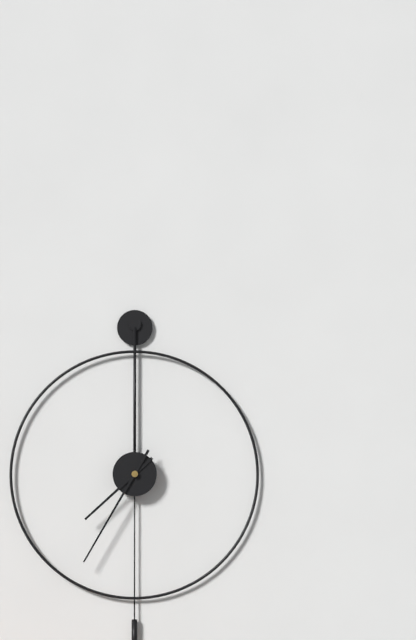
7h35
